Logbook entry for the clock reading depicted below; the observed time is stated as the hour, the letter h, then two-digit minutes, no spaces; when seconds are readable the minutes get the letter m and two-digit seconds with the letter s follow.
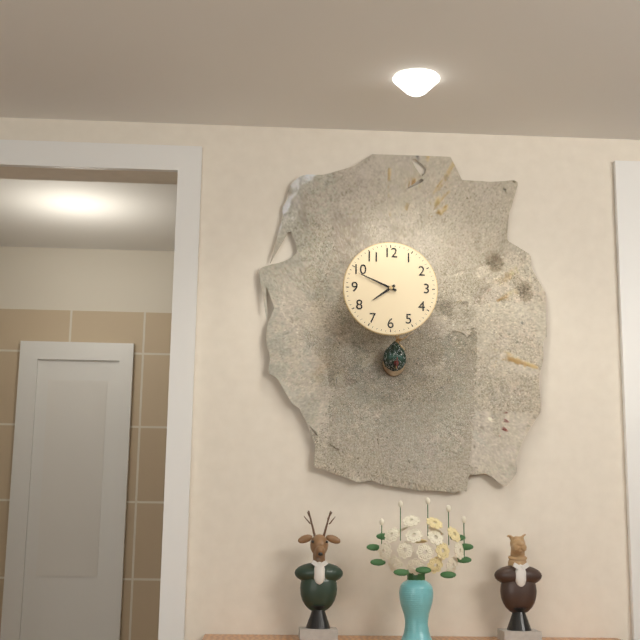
7h49
